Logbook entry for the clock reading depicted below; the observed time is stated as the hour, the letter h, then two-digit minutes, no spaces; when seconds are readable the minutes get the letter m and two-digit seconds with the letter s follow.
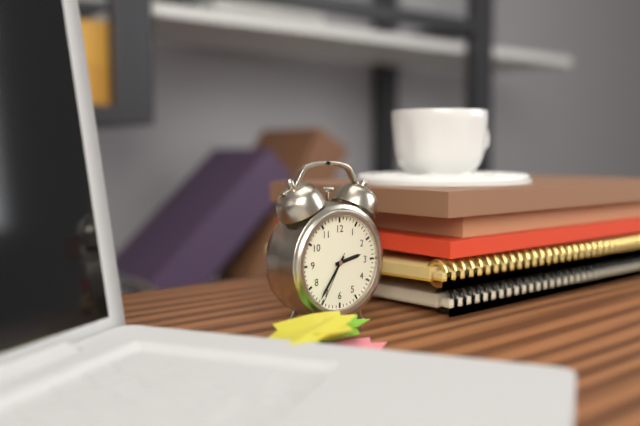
2h36m35s
